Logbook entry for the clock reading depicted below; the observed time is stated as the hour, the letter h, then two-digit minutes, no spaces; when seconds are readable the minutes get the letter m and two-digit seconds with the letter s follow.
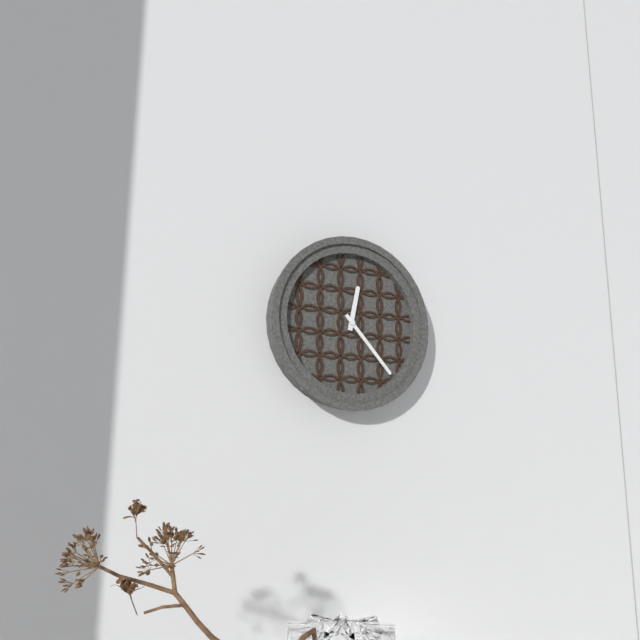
12h23
